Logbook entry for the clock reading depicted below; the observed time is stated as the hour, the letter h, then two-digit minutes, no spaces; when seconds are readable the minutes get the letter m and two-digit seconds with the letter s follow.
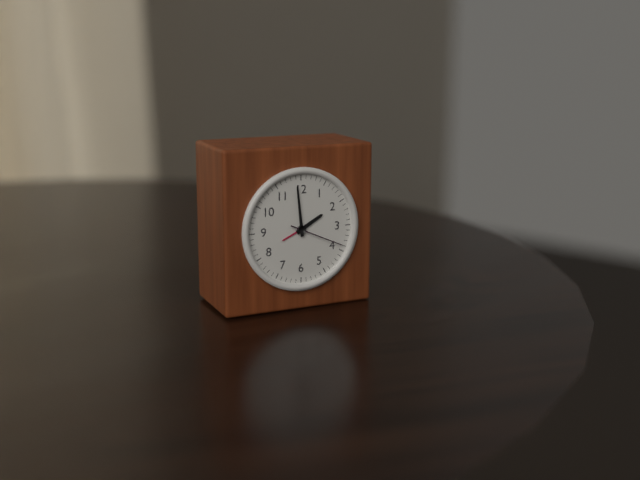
1h59m19s
